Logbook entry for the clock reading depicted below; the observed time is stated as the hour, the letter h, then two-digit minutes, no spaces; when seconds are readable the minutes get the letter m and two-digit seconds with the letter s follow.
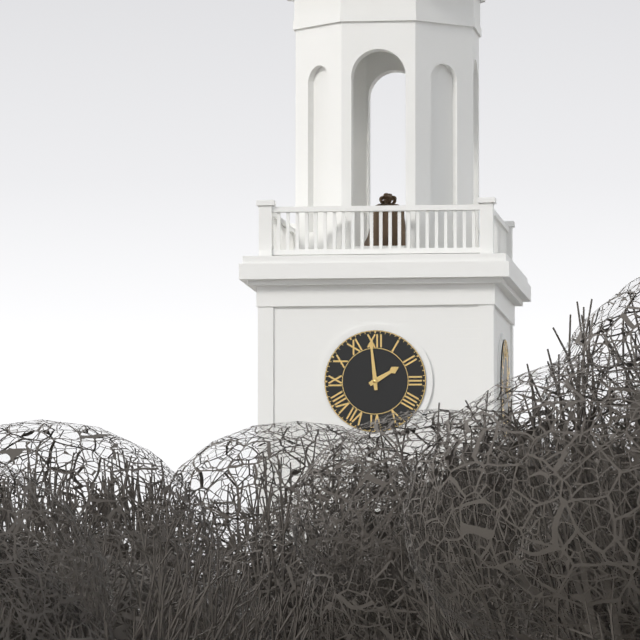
1h59
